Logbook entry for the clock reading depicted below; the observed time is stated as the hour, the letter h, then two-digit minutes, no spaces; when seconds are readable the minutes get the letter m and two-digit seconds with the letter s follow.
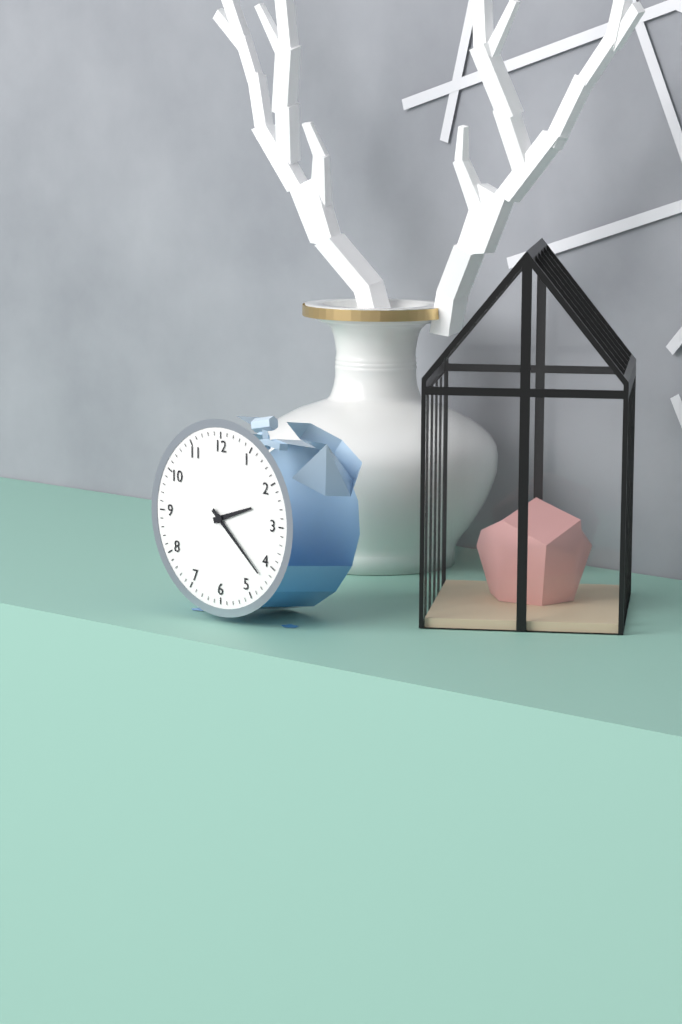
2h22
